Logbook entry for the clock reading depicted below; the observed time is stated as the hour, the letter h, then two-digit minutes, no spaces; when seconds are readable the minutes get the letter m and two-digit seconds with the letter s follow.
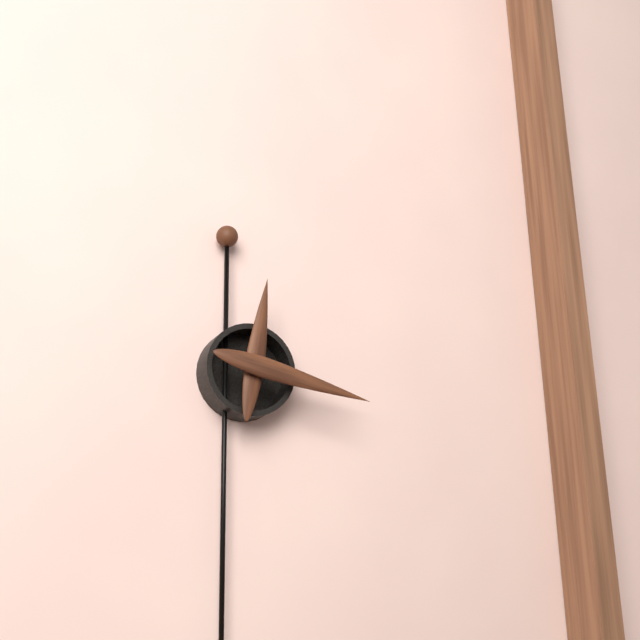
12h17
